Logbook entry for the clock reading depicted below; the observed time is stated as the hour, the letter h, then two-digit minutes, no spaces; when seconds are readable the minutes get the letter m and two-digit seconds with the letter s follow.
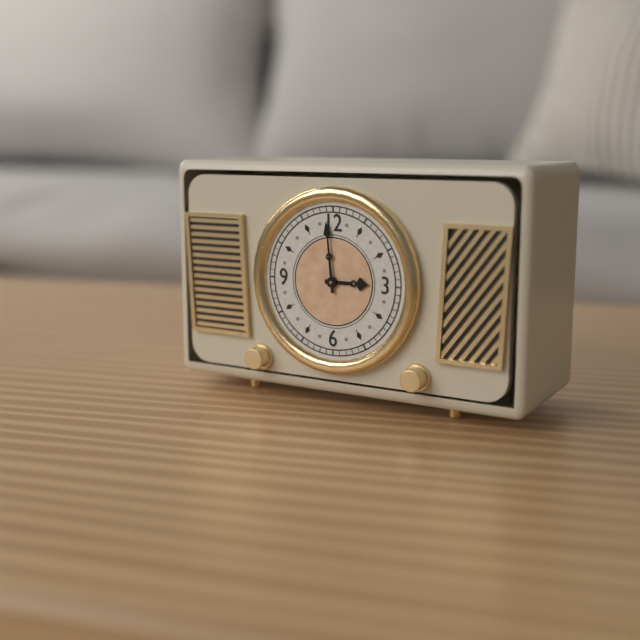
2h59
